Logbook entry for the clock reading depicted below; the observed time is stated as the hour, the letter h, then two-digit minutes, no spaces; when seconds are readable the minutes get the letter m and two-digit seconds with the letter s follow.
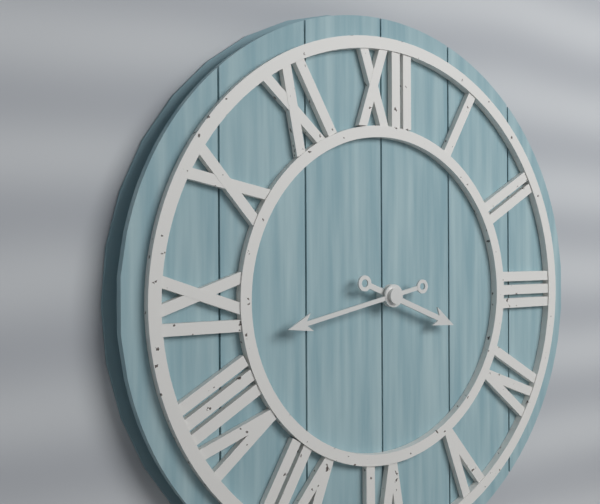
3h43
